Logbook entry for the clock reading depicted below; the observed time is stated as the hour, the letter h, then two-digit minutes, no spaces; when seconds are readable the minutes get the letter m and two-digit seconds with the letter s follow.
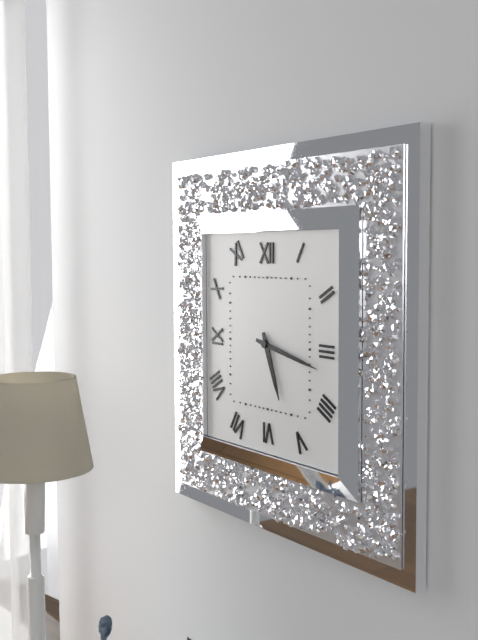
5h17
